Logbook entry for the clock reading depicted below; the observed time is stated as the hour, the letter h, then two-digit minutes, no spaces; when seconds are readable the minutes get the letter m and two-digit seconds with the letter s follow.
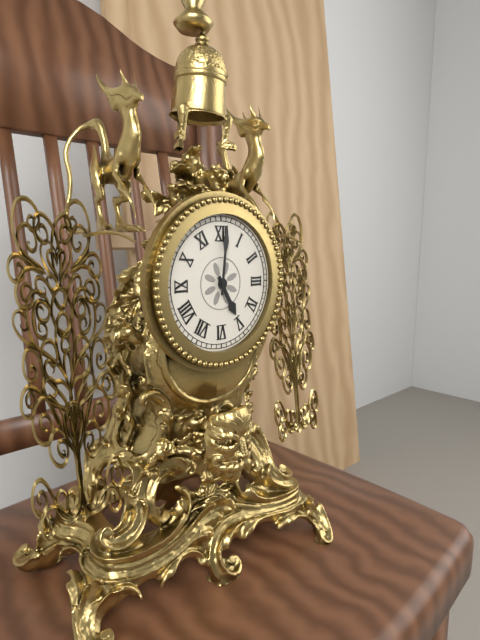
5h01
